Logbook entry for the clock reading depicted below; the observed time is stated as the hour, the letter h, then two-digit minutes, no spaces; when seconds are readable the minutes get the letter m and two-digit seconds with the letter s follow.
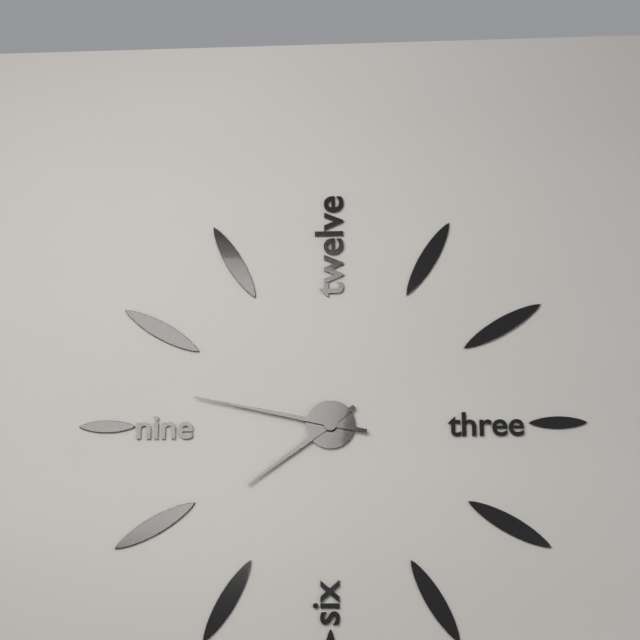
7h47
